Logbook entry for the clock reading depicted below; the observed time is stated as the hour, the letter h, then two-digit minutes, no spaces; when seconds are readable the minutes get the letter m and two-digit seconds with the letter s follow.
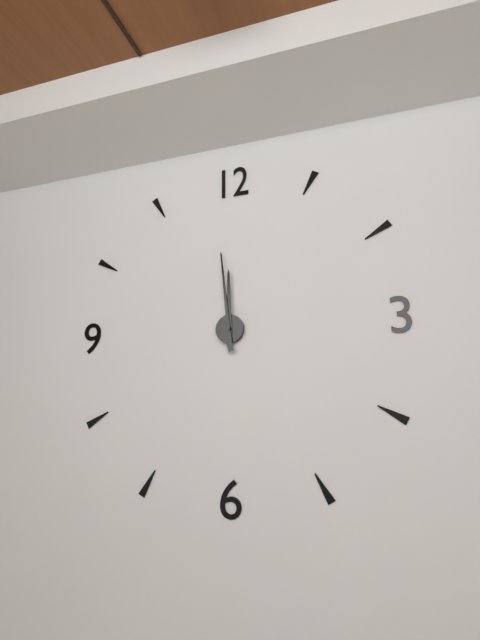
11h59
